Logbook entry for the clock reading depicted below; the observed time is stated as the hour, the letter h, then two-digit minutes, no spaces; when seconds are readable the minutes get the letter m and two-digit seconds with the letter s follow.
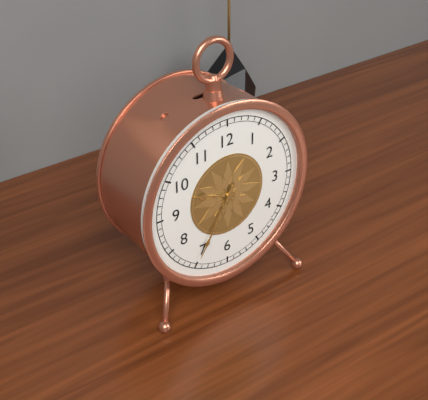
9h35
